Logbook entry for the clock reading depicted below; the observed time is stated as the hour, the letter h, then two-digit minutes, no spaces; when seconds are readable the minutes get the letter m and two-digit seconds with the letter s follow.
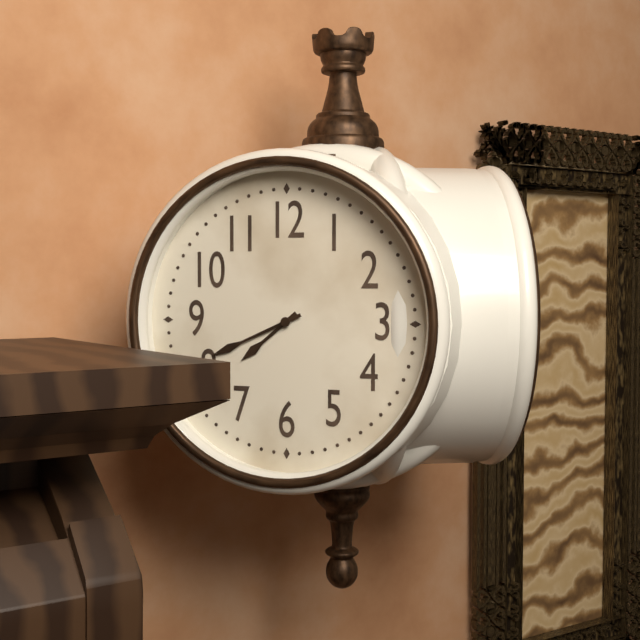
7h41
